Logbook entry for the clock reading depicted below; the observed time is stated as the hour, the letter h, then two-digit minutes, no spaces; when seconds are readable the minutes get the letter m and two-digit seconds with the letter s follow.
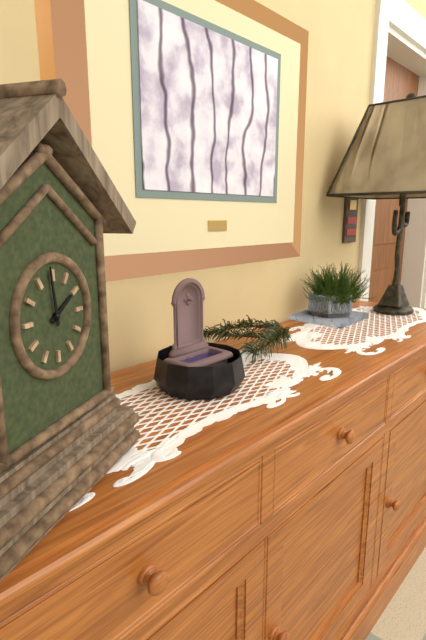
1h59
